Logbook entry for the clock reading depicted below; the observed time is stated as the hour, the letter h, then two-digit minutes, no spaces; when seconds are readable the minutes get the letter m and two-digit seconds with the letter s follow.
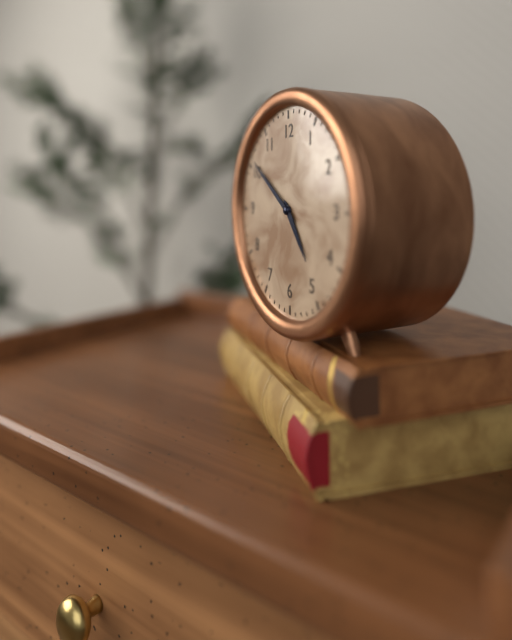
4h51
